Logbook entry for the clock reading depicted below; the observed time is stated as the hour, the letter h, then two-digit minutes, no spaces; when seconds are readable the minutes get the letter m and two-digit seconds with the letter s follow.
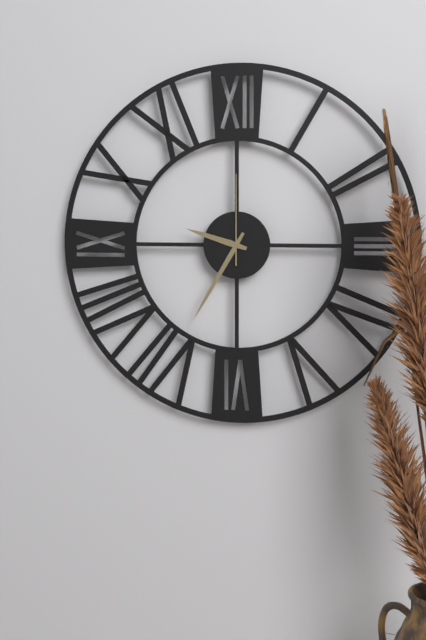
9h35m00s
